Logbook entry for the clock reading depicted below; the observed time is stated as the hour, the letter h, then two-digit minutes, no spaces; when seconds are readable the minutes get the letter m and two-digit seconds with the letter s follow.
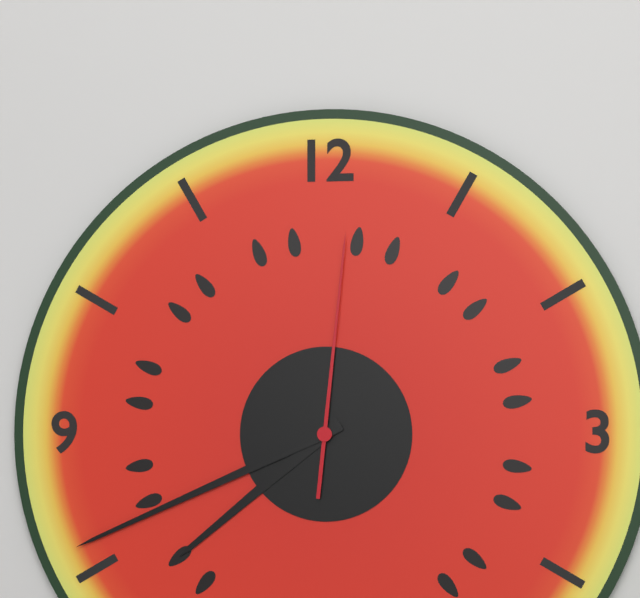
7h41m01s
